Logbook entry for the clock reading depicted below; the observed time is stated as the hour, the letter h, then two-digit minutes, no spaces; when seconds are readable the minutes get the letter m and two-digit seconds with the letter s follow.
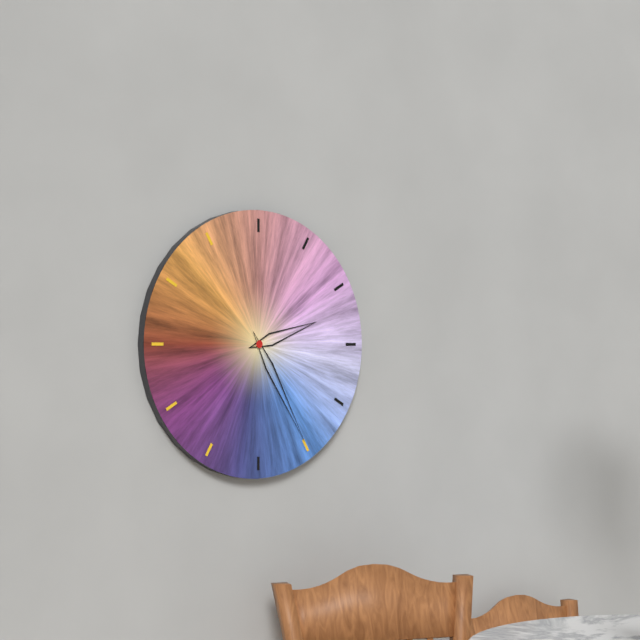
2h25
